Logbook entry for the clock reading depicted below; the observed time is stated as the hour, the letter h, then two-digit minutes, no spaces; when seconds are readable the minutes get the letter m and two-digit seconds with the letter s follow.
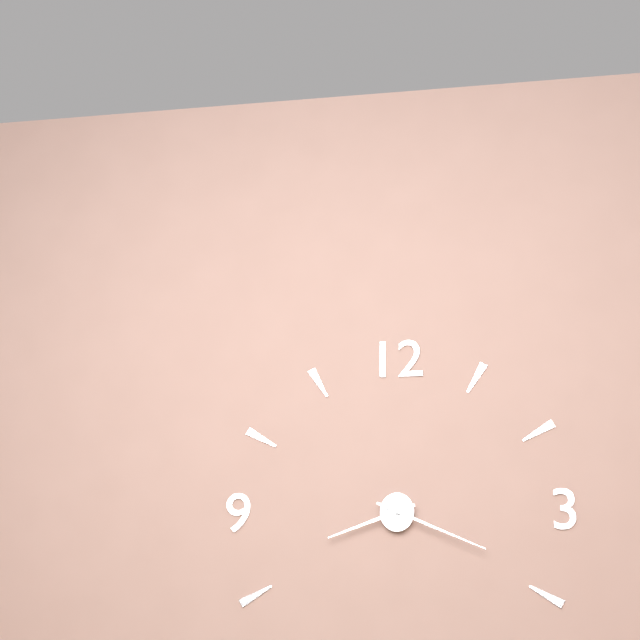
8h19
